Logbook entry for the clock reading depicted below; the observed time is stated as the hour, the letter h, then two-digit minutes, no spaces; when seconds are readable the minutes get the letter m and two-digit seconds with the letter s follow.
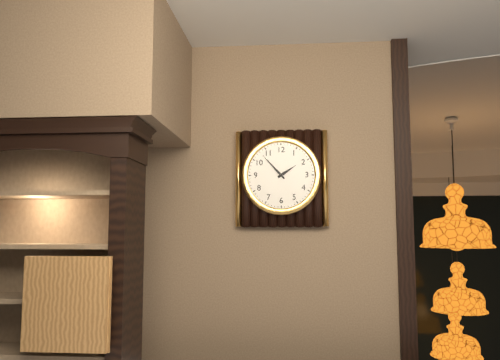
1h53
